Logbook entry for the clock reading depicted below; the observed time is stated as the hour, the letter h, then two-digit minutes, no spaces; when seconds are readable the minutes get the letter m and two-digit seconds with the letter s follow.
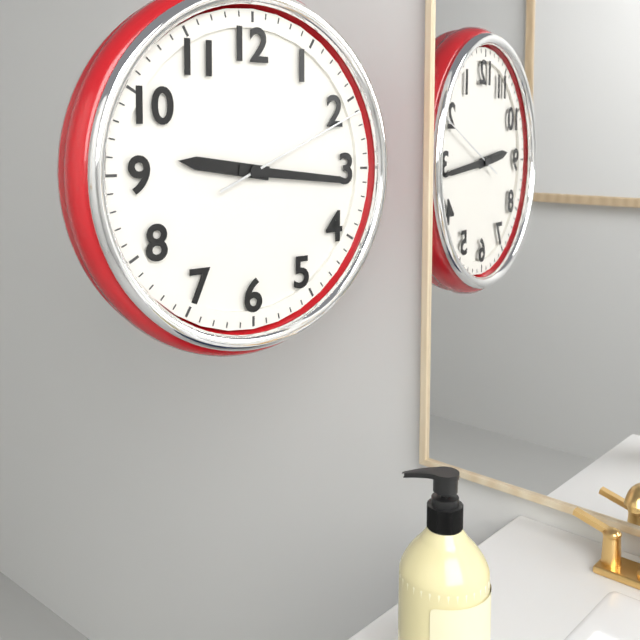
9h16m11s
